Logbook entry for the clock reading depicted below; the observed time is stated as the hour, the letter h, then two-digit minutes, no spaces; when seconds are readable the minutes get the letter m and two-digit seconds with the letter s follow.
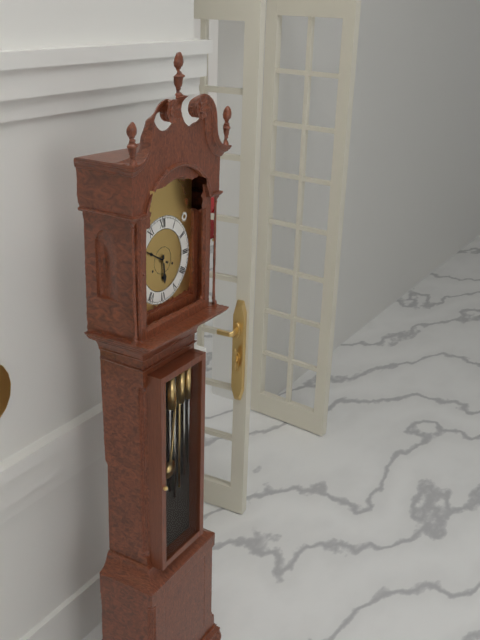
5h50
